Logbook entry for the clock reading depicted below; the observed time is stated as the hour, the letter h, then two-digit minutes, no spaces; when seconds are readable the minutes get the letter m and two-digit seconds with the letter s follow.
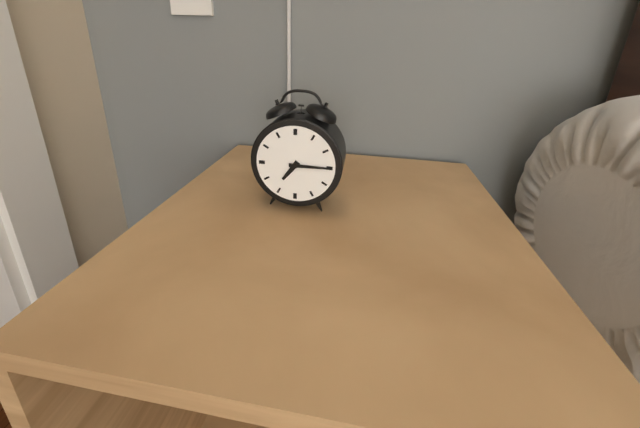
7h15
